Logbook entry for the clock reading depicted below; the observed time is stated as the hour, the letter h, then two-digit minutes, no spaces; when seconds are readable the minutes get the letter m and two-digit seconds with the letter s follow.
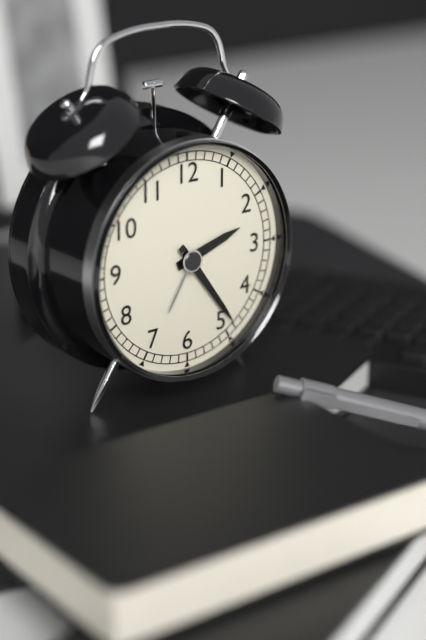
2h24
